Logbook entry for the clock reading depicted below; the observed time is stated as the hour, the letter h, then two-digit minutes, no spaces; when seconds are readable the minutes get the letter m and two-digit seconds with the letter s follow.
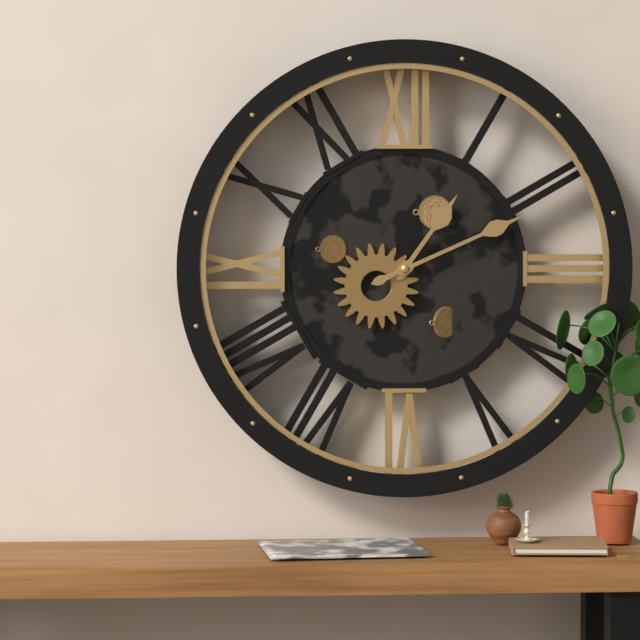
1h11
